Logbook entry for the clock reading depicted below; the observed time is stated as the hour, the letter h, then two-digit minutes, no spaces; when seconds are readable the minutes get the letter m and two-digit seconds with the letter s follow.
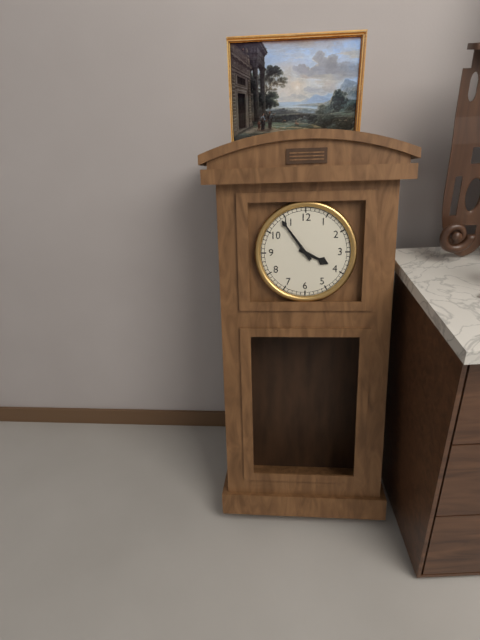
3h54
